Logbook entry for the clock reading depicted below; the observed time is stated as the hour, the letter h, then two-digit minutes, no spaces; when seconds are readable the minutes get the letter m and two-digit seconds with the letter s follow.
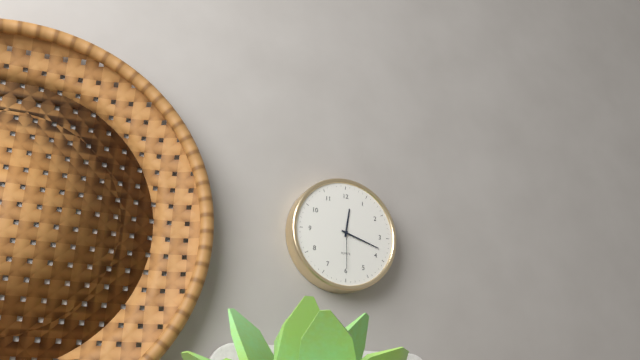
12h18
